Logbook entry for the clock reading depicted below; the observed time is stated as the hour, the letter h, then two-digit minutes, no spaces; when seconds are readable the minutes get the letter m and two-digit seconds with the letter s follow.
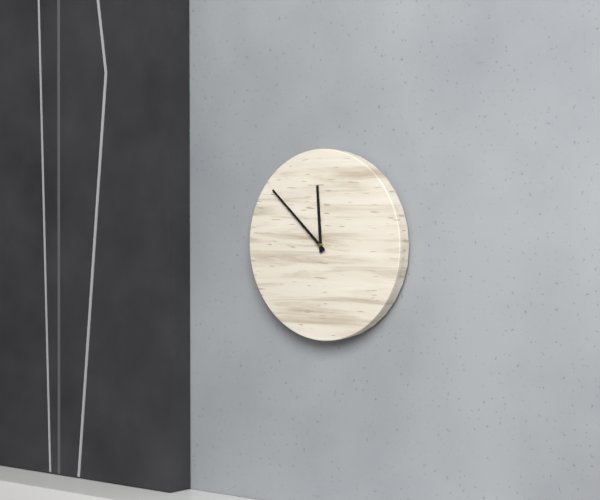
11h52
